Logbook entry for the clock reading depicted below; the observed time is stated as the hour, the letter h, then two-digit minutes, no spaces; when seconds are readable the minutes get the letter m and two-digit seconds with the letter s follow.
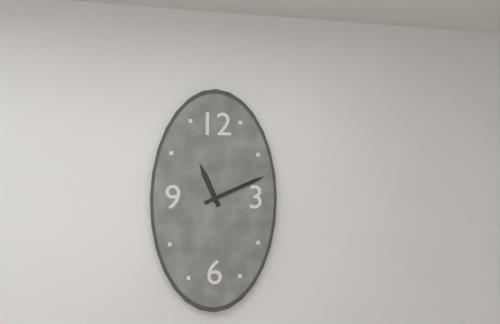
11h11
